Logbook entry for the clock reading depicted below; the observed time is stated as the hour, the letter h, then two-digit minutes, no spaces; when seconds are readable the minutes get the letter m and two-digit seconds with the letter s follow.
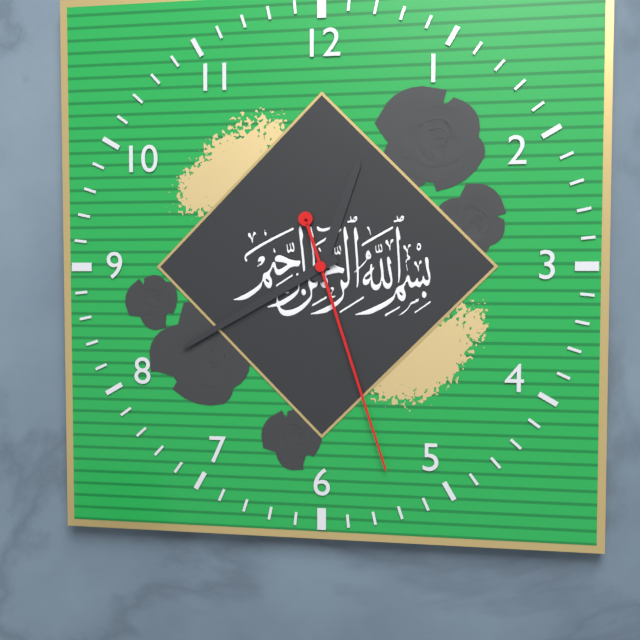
12h40m27s
